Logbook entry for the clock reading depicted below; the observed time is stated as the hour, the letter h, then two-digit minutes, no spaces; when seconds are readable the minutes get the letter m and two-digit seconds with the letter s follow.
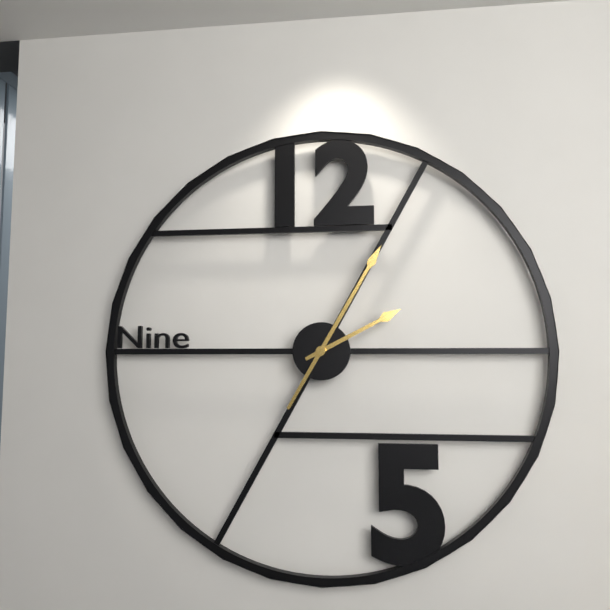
2h05
